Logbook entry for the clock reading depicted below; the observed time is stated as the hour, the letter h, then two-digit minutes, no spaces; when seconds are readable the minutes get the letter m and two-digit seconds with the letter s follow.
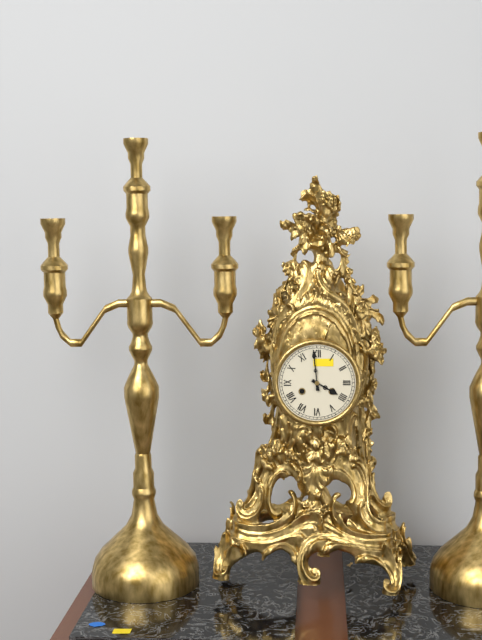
3h59
